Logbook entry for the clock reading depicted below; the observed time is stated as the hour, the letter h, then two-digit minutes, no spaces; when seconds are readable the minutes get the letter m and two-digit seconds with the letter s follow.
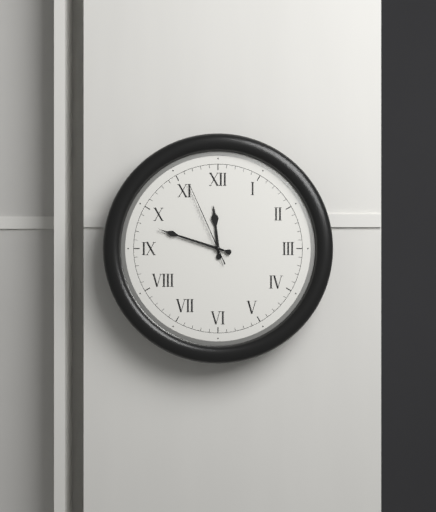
11h48m56s
